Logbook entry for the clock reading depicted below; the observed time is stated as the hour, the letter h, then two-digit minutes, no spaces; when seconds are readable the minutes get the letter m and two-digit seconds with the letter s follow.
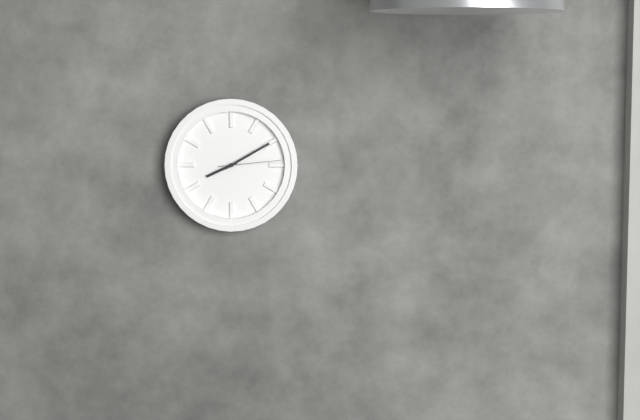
8h10m14s
